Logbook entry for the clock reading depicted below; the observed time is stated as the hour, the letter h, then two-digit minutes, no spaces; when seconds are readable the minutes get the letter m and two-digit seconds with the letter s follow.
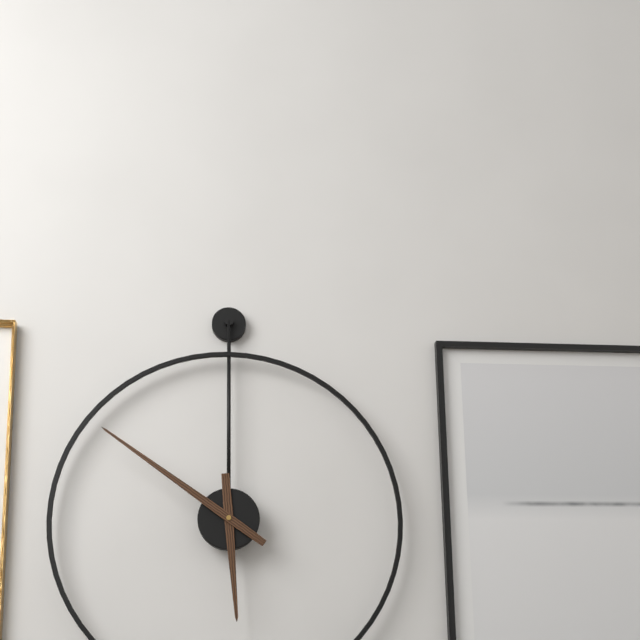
5h51
